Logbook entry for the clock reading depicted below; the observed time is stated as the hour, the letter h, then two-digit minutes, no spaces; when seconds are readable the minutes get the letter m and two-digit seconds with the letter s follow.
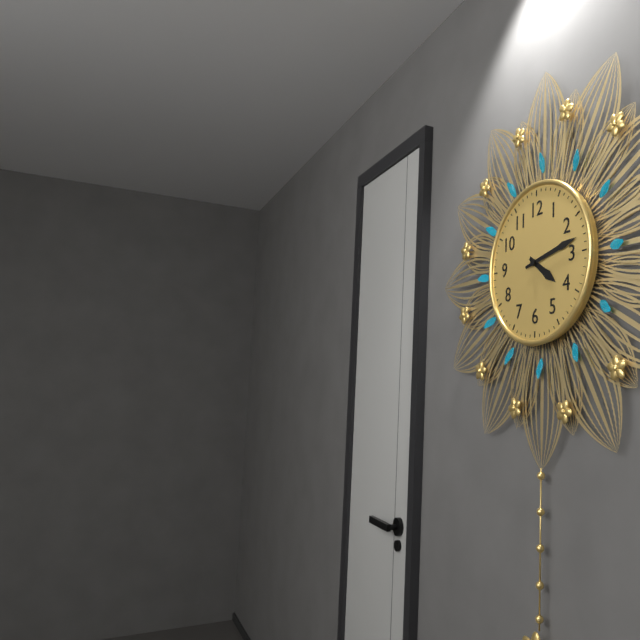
4h13
